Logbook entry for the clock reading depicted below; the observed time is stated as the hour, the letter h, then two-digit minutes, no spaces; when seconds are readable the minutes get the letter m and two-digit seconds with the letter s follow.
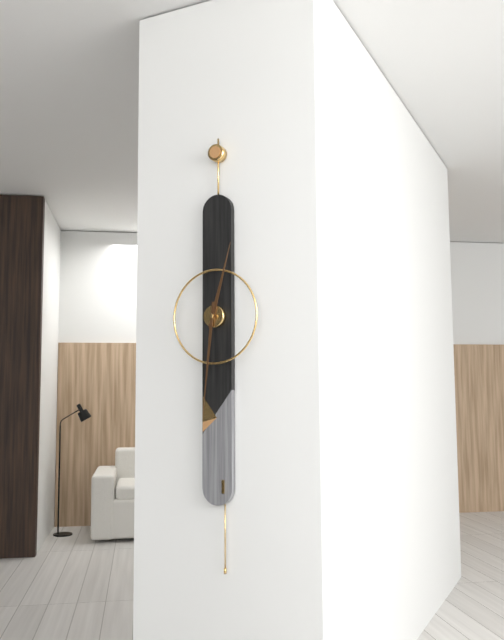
12h31
